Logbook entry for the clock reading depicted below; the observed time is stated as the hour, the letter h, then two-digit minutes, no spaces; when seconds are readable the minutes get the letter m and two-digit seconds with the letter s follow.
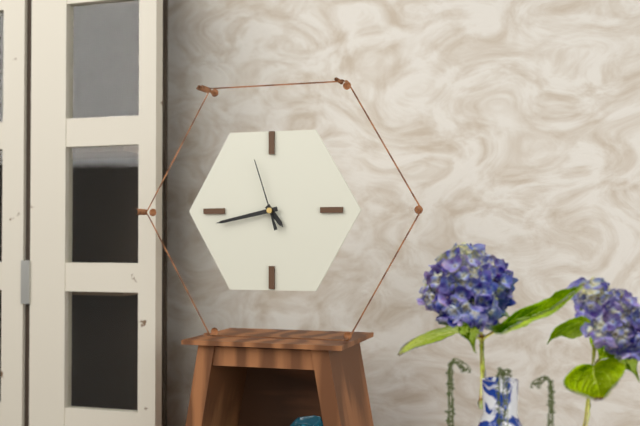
4h43m57s
